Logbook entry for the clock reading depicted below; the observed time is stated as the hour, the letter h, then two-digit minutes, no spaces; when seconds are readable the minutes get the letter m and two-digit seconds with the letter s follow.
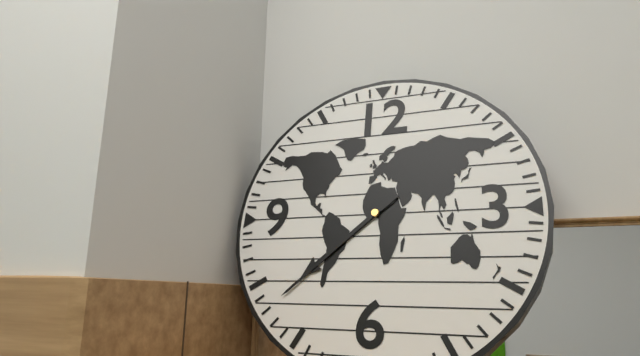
7h38
